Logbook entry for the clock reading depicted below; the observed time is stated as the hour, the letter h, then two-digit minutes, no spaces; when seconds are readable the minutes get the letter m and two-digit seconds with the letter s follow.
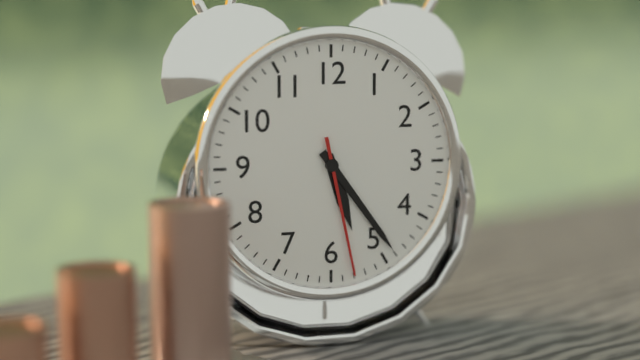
5h24m28s
